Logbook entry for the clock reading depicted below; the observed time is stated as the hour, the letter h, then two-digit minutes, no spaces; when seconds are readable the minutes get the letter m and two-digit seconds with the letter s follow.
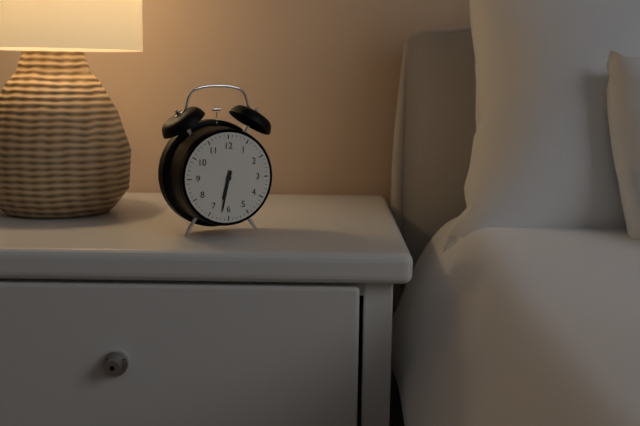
6h32
